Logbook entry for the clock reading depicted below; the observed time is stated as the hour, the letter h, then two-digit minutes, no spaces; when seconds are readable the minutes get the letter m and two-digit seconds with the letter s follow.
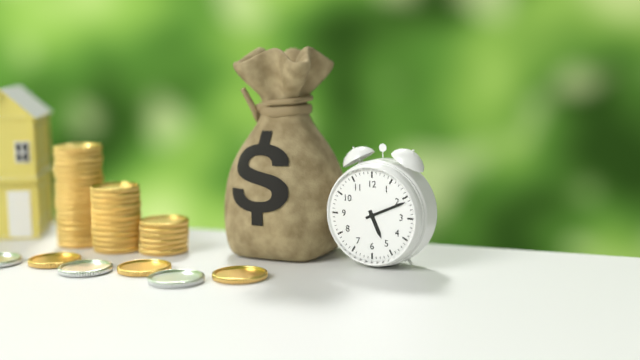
5h11
